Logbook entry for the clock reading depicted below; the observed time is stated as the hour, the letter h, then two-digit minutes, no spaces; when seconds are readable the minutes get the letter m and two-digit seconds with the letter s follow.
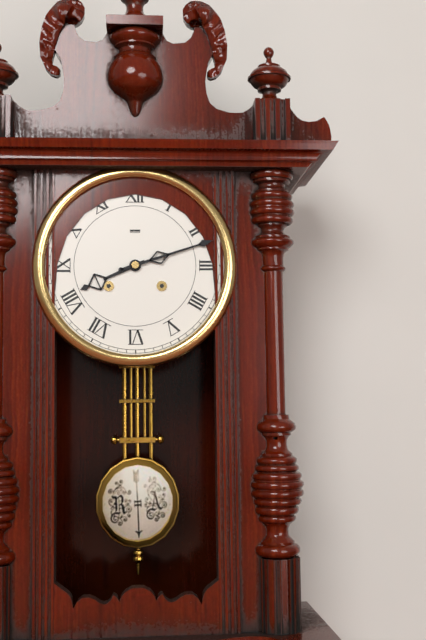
8h12
